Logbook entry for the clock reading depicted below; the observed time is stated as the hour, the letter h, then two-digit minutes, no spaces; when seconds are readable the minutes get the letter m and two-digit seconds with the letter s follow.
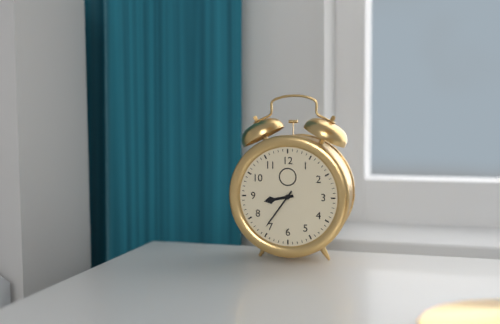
8h36
